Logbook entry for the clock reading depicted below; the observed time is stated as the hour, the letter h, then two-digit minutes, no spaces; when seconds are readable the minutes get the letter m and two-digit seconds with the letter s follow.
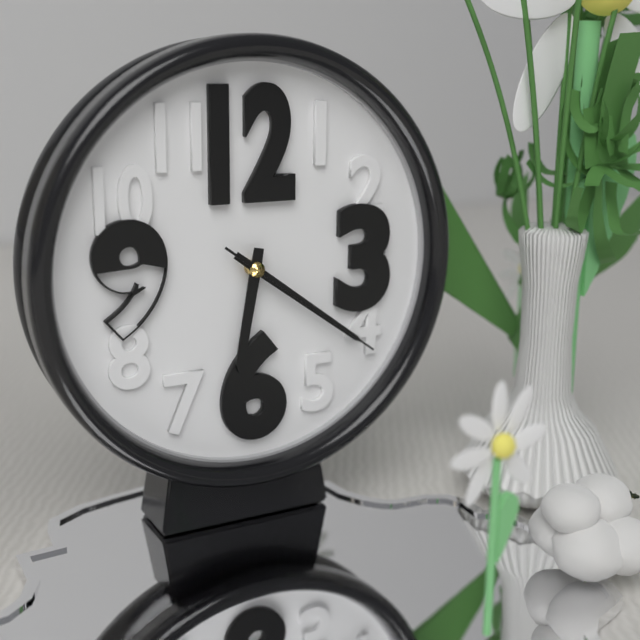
6h21m21s
